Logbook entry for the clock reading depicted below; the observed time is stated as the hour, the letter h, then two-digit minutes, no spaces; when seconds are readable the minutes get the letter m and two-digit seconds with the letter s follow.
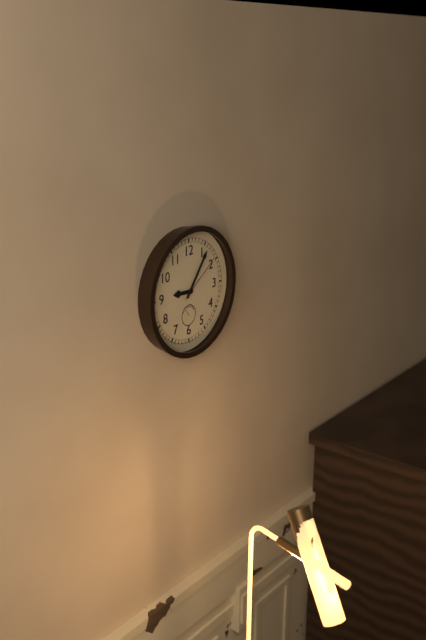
9h06m09s
